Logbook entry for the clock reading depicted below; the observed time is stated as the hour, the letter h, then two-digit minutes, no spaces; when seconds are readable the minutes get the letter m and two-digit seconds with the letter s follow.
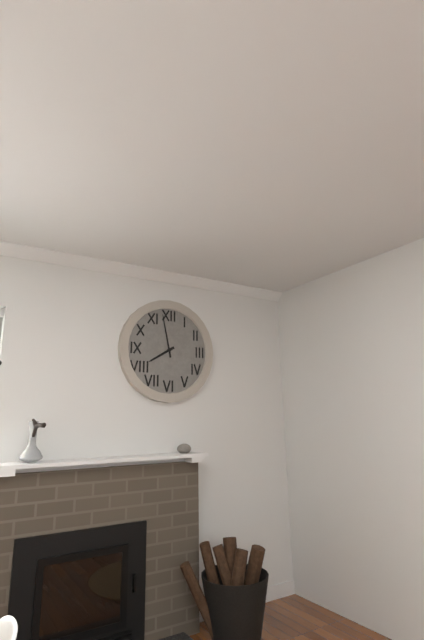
7h58
